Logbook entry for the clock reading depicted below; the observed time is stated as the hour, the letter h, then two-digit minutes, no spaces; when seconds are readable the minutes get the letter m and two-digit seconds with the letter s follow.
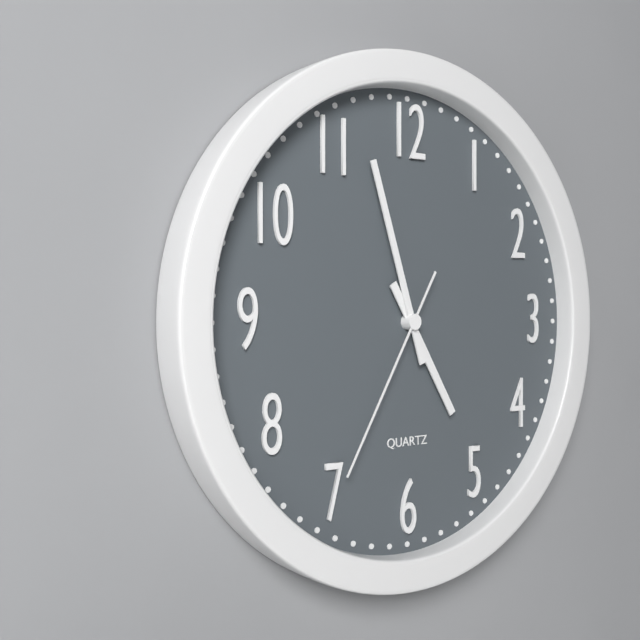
4h57m35s
